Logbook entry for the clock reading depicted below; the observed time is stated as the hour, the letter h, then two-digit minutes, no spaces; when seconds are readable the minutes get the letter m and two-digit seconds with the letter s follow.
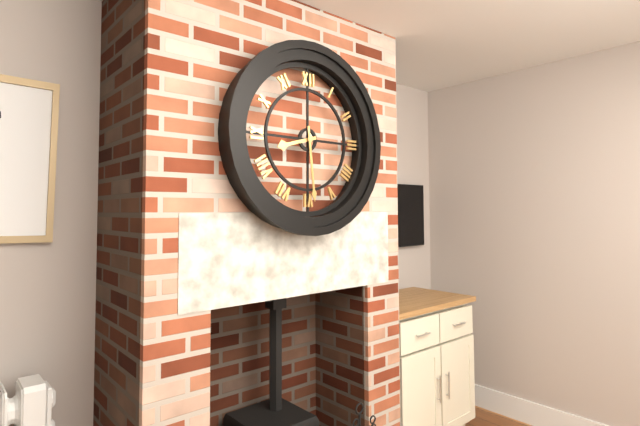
8h29
